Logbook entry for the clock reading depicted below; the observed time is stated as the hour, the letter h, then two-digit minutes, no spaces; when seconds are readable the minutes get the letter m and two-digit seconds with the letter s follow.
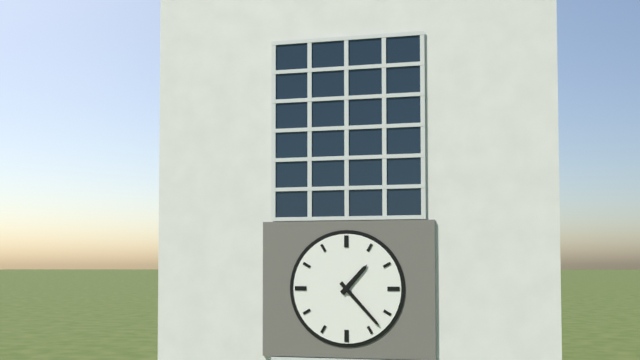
1h23
